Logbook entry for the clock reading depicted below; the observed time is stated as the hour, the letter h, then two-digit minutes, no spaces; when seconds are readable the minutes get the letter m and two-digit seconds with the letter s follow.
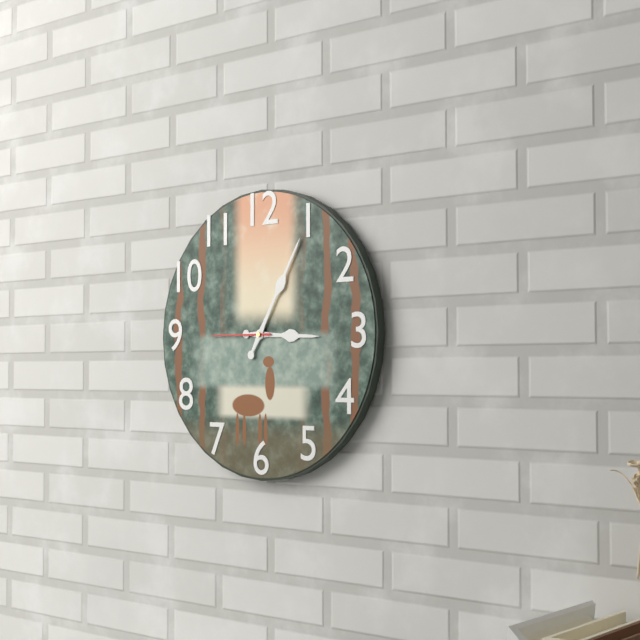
3h05m45s
